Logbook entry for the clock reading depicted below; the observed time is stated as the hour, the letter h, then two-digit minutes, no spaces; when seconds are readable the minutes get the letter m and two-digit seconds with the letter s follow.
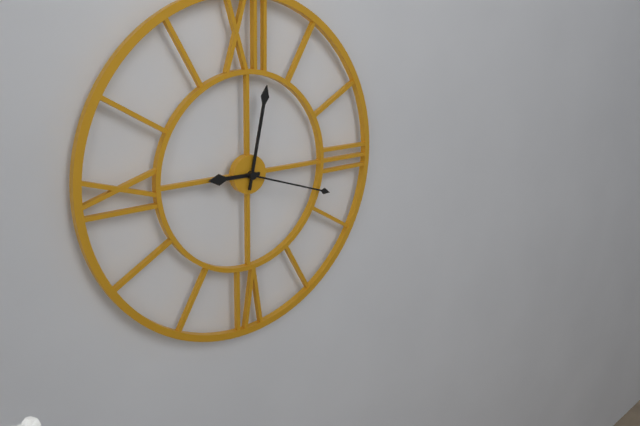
9h02m18s
